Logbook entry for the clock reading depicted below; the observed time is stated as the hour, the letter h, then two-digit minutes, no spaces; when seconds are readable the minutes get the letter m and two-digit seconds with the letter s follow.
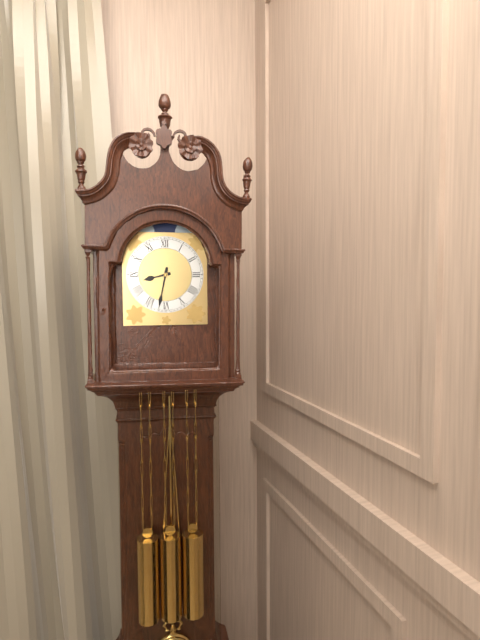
8h32
